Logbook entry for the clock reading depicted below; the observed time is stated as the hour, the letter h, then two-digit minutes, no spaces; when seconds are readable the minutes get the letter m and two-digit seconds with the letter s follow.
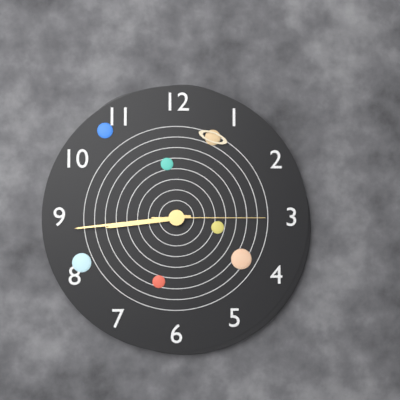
8h44m15s
